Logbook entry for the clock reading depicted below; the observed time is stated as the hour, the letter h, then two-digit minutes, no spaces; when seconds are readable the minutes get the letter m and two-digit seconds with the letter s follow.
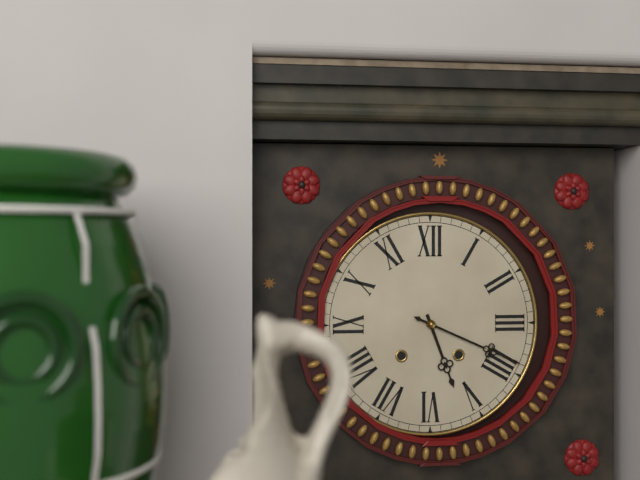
5h19
